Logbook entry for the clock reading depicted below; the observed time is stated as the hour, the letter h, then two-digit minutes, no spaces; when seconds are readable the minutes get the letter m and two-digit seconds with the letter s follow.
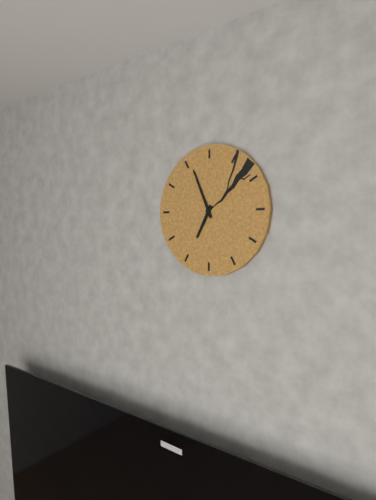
6h56
